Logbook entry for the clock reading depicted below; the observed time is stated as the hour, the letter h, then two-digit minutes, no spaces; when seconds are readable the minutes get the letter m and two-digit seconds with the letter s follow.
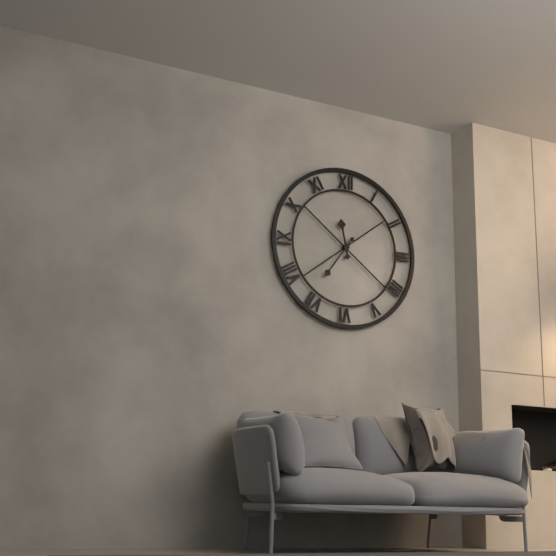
11h36
